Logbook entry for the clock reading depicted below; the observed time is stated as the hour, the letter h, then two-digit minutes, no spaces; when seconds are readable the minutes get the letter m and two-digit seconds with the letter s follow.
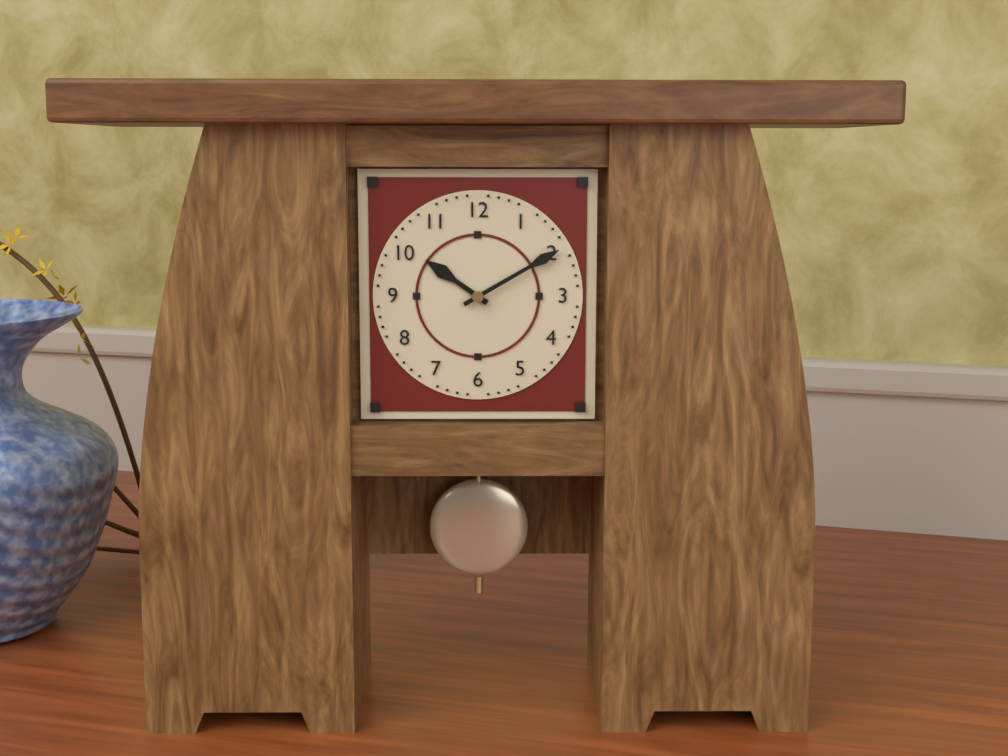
10h10
